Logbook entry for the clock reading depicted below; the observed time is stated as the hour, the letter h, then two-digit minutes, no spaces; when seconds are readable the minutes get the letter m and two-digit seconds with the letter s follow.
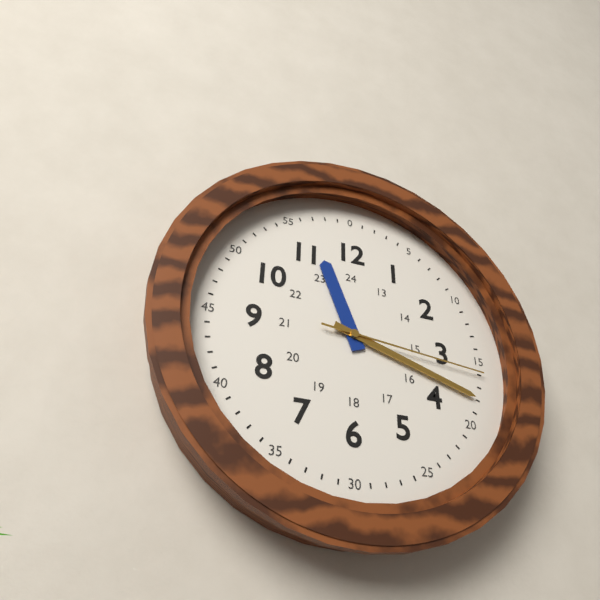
11h18m16s
